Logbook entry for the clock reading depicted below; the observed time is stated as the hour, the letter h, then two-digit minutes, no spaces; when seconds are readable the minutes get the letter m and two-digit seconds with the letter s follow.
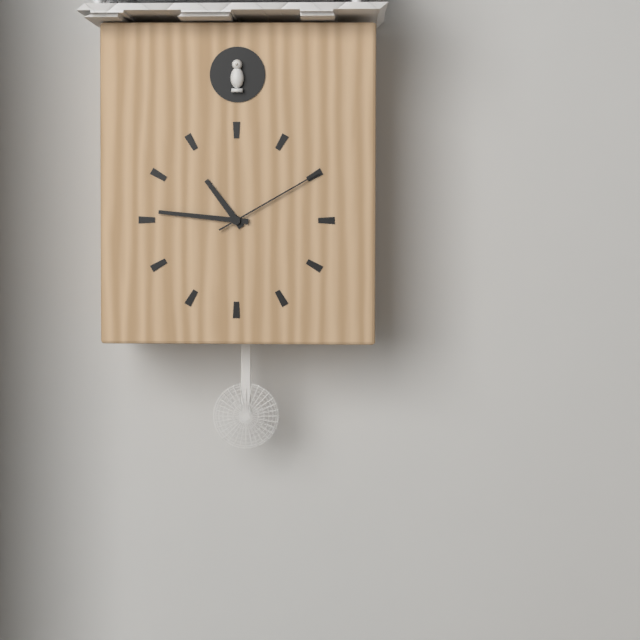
10h46m10s
